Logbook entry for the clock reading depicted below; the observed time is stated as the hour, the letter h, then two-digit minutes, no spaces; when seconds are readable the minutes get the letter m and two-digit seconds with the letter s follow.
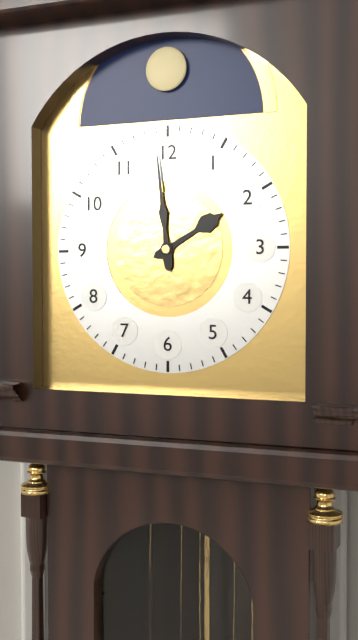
1h59
